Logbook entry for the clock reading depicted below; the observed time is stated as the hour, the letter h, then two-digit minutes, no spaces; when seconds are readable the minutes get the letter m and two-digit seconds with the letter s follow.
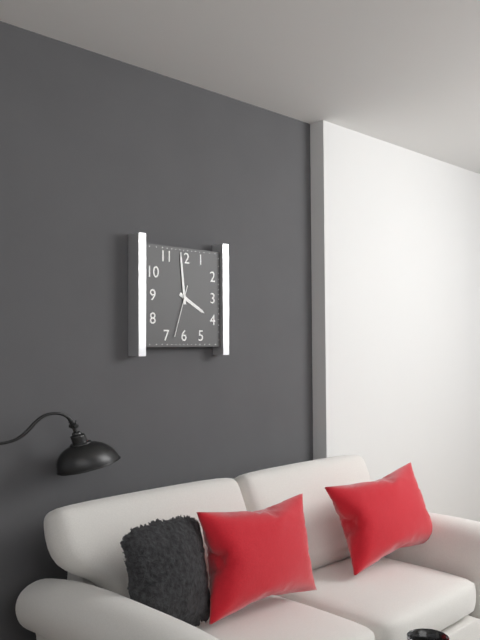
3h59m33s
